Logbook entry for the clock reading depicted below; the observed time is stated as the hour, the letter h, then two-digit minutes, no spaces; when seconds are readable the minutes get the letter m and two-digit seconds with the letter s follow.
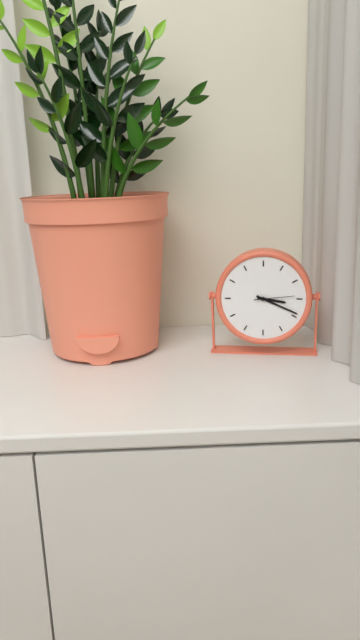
3h19
